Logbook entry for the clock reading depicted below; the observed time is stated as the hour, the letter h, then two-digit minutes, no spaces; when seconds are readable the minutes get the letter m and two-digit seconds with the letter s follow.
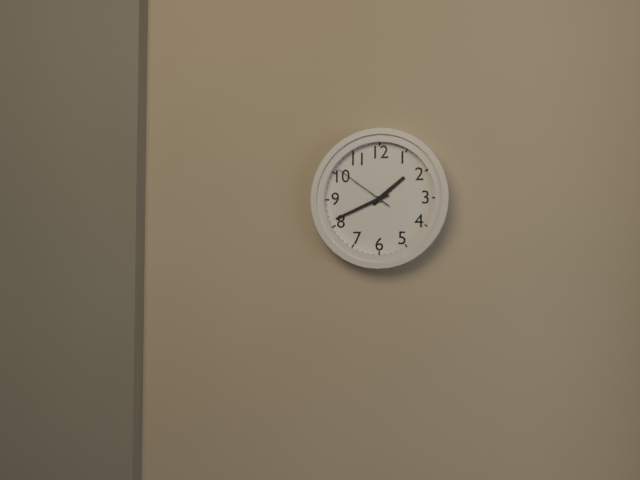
1h41m51s
